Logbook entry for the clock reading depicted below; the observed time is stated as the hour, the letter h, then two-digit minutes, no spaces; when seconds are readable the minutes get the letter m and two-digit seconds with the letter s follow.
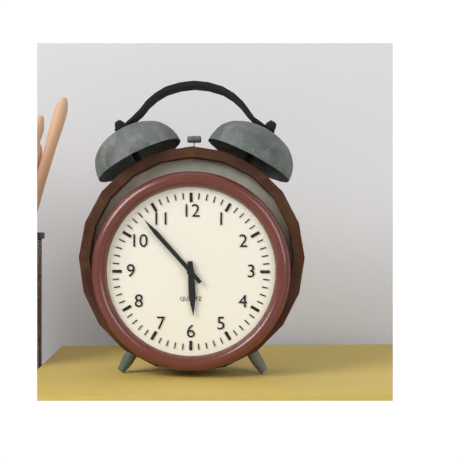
5h53
